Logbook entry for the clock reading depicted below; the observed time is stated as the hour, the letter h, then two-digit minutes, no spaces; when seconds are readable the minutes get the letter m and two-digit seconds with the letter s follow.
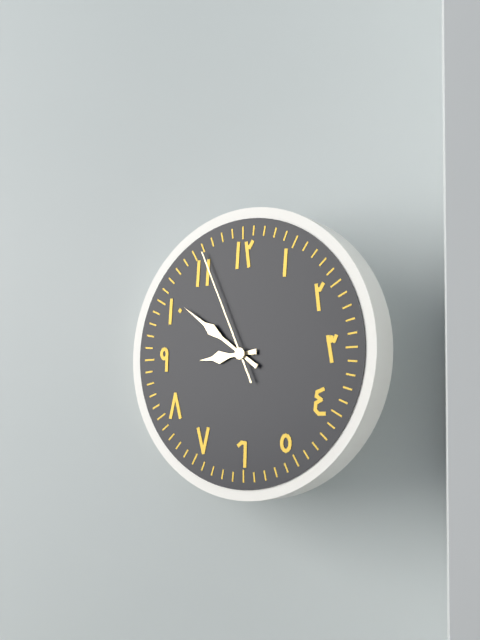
8h51m56s
